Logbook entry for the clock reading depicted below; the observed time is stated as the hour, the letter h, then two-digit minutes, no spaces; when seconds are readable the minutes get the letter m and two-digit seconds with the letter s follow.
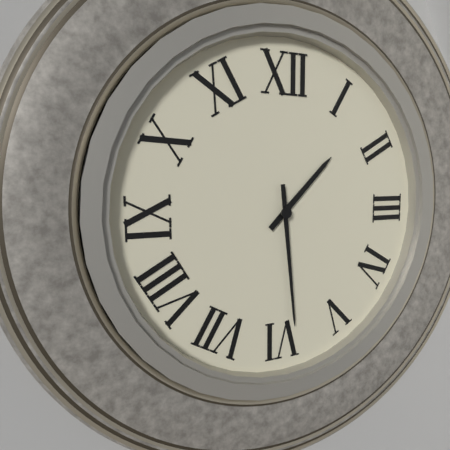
1h29
